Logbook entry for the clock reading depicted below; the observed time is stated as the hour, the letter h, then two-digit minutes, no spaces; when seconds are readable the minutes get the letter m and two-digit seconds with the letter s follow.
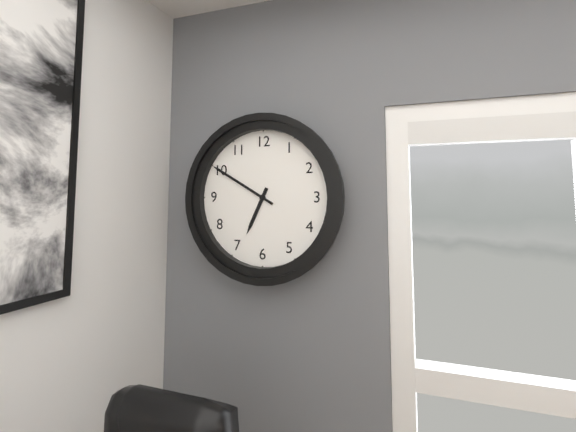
6h50
